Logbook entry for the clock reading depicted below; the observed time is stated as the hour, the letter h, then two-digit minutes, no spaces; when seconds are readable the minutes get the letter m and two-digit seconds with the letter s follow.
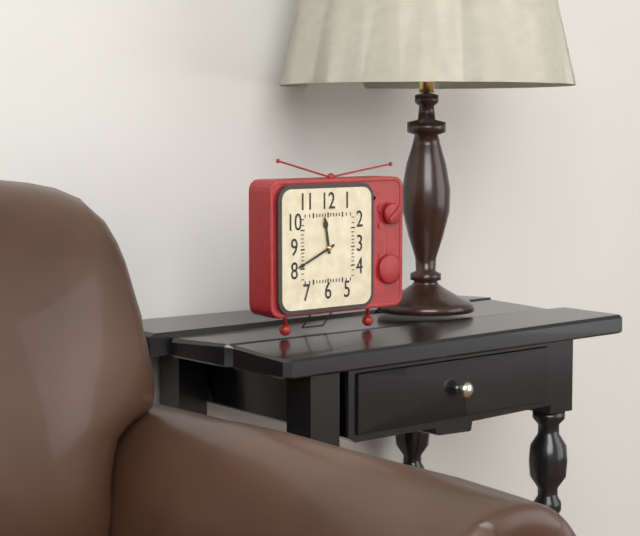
11h41
